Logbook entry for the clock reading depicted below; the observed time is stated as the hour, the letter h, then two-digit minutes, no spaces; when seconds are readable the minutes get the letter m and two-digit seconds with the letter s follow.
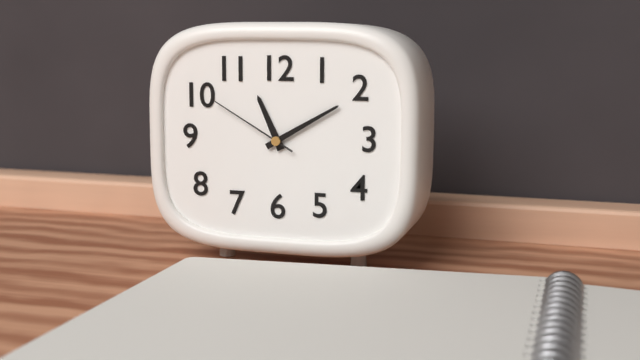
11h10m50s
